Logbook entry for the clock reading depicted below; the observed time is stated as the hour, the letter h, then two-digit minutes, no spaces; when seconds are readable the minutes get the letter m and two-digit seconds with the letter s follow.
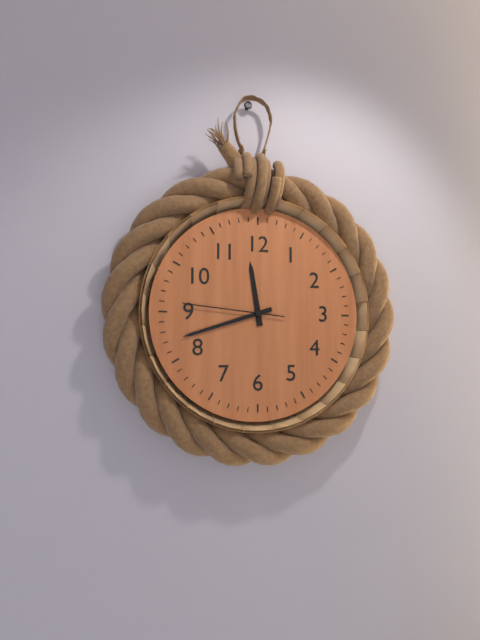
11h42m46s
